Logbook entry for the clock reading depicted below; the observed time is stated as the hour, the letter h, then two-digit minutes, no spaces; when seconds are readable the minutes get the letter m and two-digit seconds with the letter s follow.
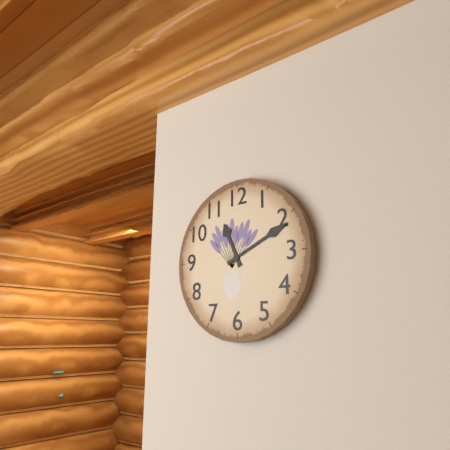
11h11
